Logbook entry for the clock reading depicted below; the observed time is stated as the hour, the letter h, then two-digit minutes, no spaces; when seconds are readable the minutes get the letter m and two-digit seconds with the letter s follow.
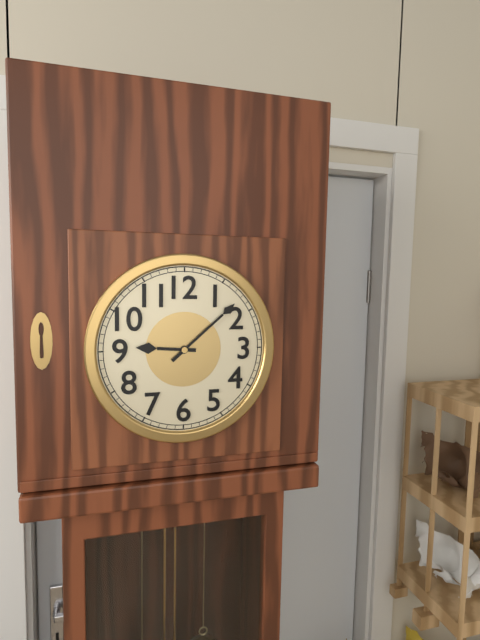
9h08
